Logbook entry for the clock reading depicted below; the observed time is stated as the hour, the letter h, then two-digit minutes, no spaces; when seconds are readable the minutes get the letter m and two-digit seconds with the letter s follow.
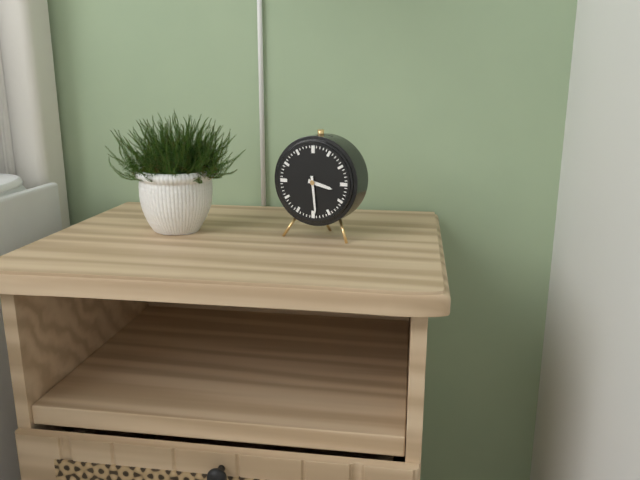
3h29
